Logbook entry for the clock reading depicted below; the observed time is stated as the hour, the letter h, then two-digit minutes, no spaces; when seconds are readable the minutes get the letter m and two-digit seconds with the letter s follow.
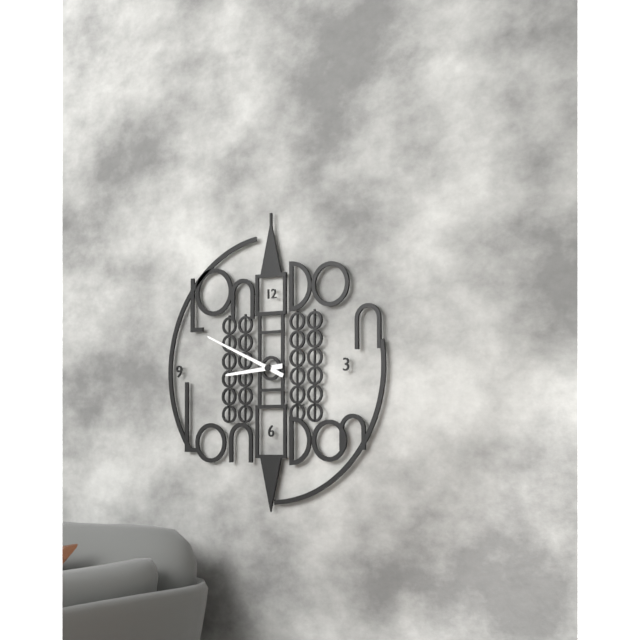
8h49
